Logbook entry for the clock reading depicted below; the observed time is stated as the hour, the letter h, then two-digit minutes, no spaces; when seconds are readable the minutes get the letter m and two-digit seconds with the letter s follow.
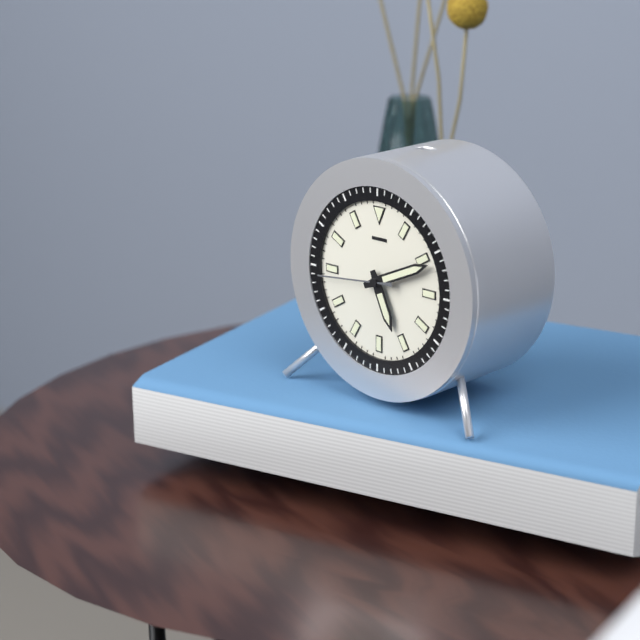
5h11m44s
